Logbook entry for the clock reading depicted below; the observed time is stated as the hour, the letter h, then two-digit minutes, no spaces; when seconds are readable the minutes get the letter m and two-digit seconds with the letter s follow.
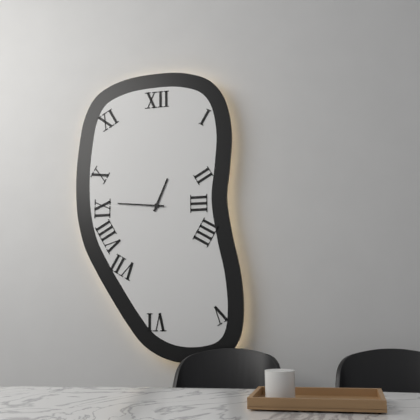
12h46
